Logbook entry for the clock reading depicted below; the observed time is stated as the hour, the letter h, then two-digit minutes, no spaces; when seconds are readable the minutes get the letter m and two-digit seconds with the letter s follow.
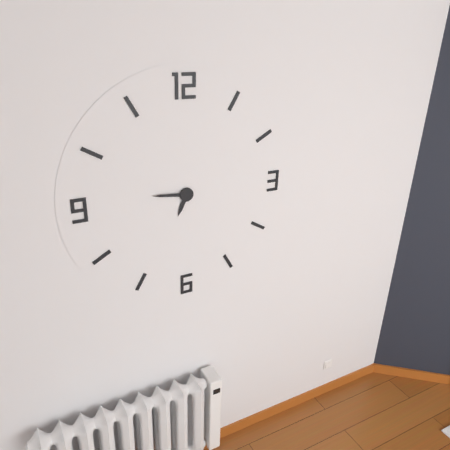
6h46
